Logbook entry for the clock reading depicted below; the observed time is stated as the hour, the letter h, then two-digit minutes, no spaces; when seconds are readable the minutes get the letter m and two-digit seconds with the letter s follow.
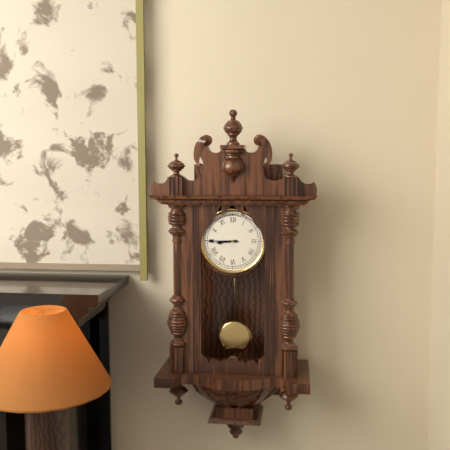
8h45
